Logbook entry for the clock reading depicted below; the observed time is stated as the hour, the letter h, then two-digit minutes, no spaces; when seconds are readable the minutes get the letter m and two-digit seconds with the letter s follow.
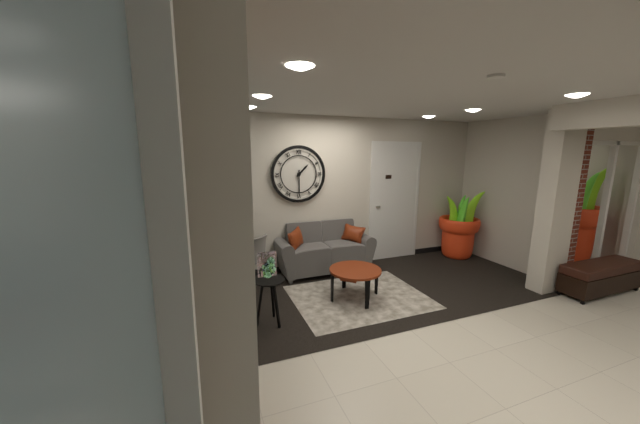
1h30
